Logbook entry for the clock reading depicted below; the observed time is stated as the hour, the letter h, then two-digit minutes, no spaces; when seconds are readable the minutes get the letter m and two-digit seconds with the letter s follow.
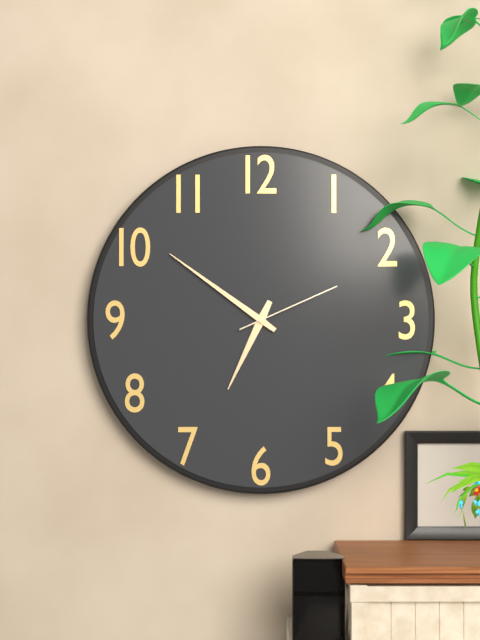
6h51m11s
